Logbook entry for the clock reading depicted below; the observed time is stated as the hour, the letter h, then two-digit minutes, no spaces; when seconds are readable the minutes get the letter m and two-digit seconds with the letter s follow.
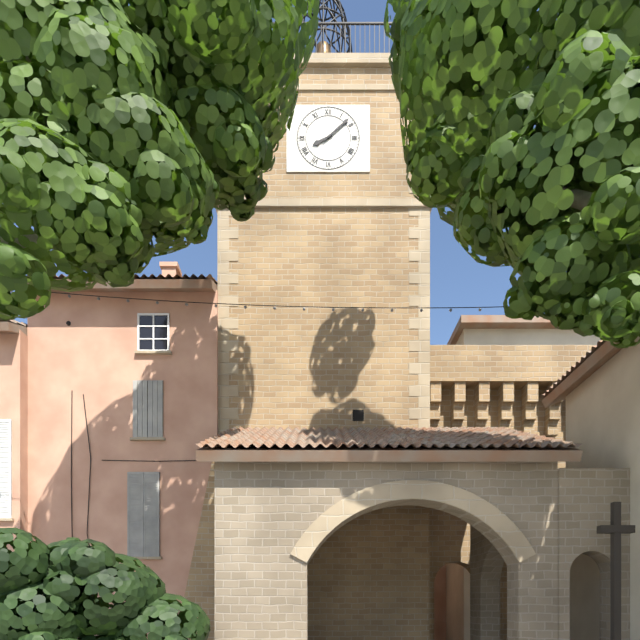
8h08
